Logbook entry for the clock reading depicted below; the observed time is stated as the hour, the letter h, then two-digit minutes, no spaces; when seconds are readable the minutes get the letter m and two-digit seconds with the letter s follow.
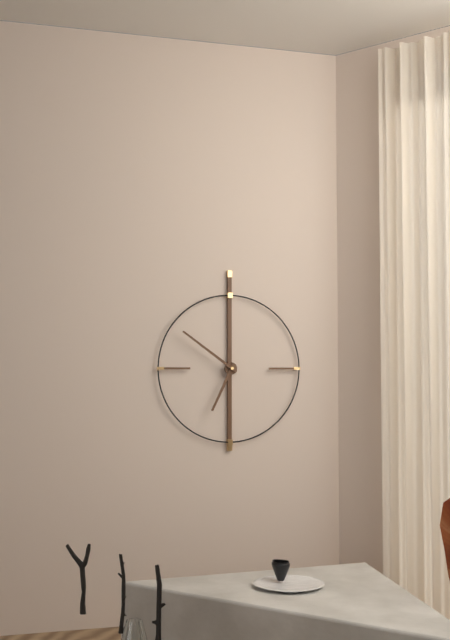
6h51
